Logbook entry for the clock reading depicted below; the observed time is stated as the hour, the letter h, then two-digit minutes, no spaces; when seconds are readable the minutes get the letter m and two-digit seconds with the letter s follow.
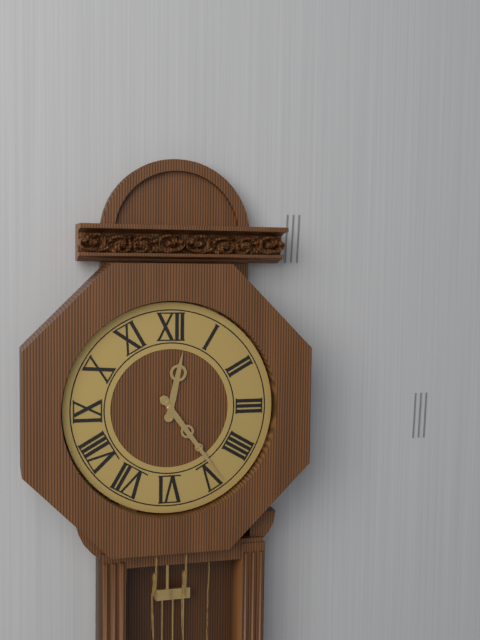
12h24
